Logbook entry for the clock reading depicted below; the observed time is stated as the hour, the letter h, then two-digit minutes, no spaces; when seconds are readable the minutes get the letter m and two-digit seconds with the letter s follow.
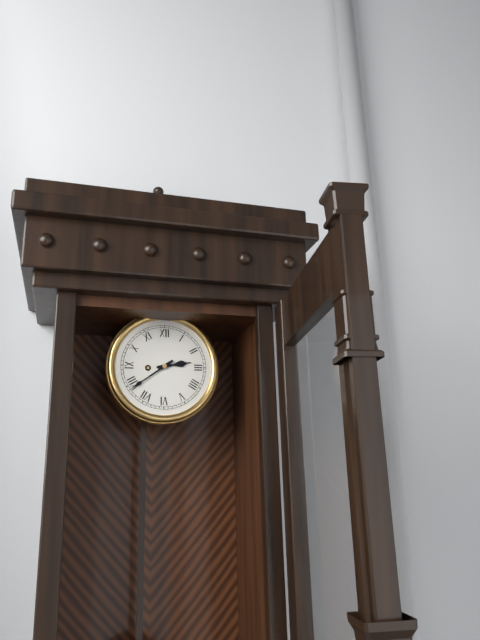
2h39
